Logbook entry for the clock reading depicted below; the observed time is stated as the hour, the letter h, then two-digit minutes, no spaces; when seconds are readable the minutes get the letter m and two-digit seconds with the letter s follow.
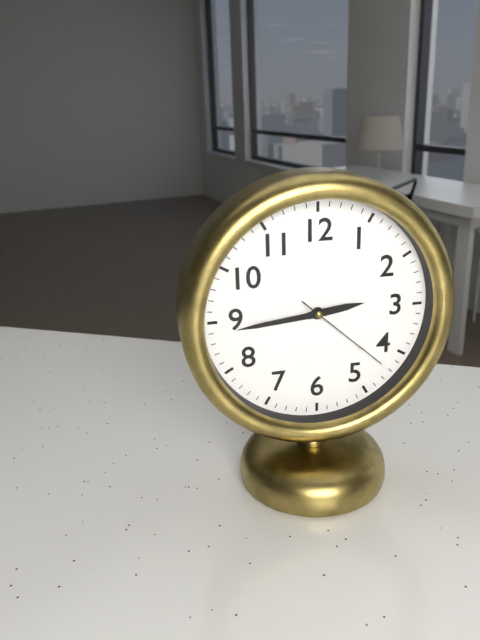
2h44m22s
